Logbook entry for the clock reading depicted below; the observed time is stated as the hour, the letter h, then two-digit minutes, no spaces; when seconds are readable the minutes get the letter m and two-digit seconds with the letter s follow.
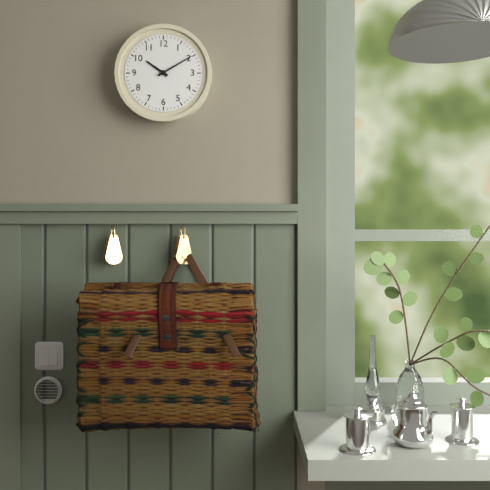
10h10
